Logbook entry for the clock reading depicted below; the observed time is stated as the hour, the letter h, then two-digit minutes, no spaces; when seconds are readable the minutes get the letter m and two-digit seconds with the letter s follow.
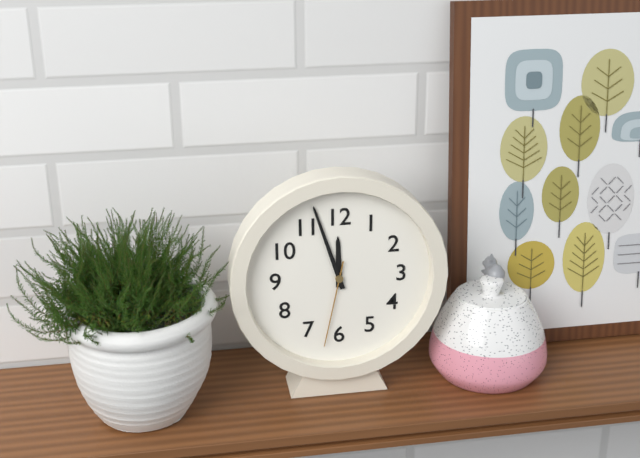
11h57m32s
